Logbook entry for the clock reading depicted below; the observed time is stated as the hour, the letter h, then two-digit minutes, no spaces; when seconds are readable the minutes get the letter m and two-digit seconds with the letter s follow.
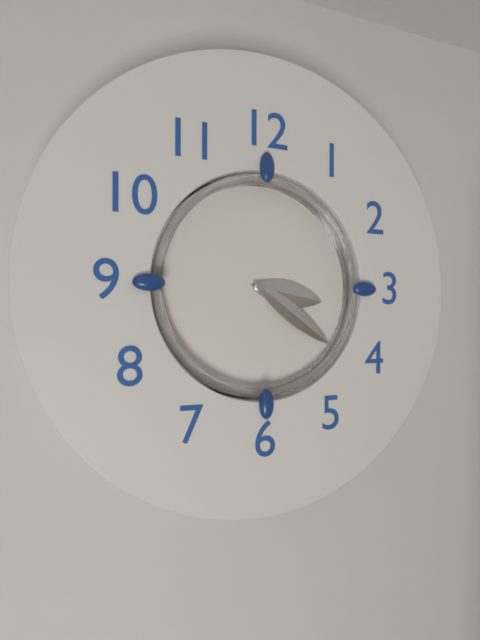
3h21
